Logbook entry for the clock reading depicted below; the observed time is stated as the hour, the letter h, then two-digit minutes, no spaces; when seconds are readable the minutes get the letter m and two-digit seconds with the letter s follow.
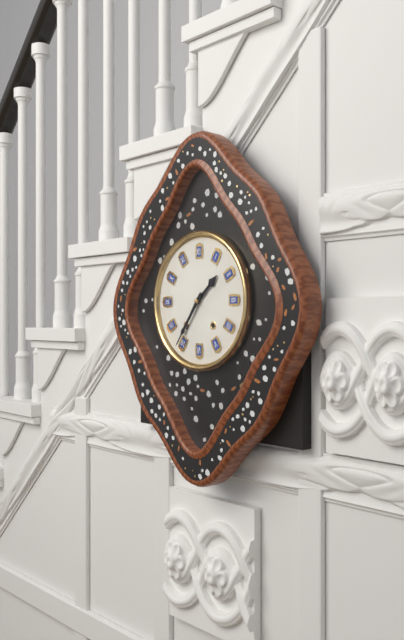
1h36
